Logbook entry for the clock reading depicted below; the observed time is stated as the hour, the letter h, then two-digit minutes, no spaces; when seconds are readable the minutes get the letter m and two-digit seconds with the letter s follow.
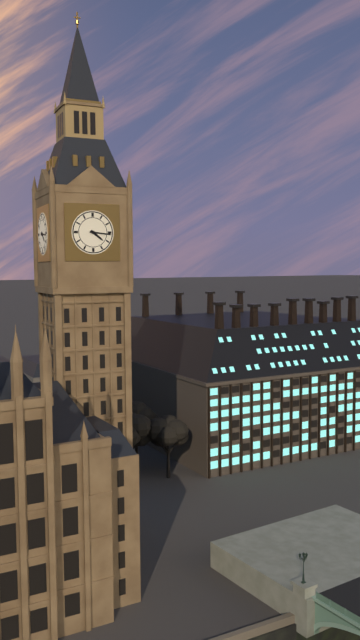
4h16
